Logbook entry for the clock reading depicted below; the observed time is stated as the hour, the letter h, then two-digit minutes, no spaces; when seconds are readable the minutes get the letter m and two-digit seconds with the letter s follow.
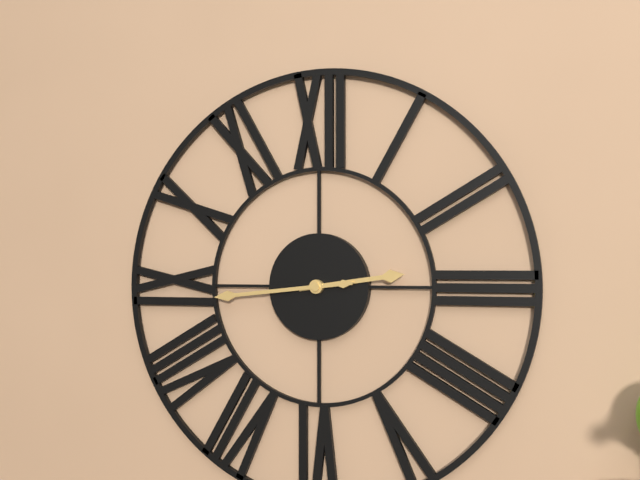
2h44
